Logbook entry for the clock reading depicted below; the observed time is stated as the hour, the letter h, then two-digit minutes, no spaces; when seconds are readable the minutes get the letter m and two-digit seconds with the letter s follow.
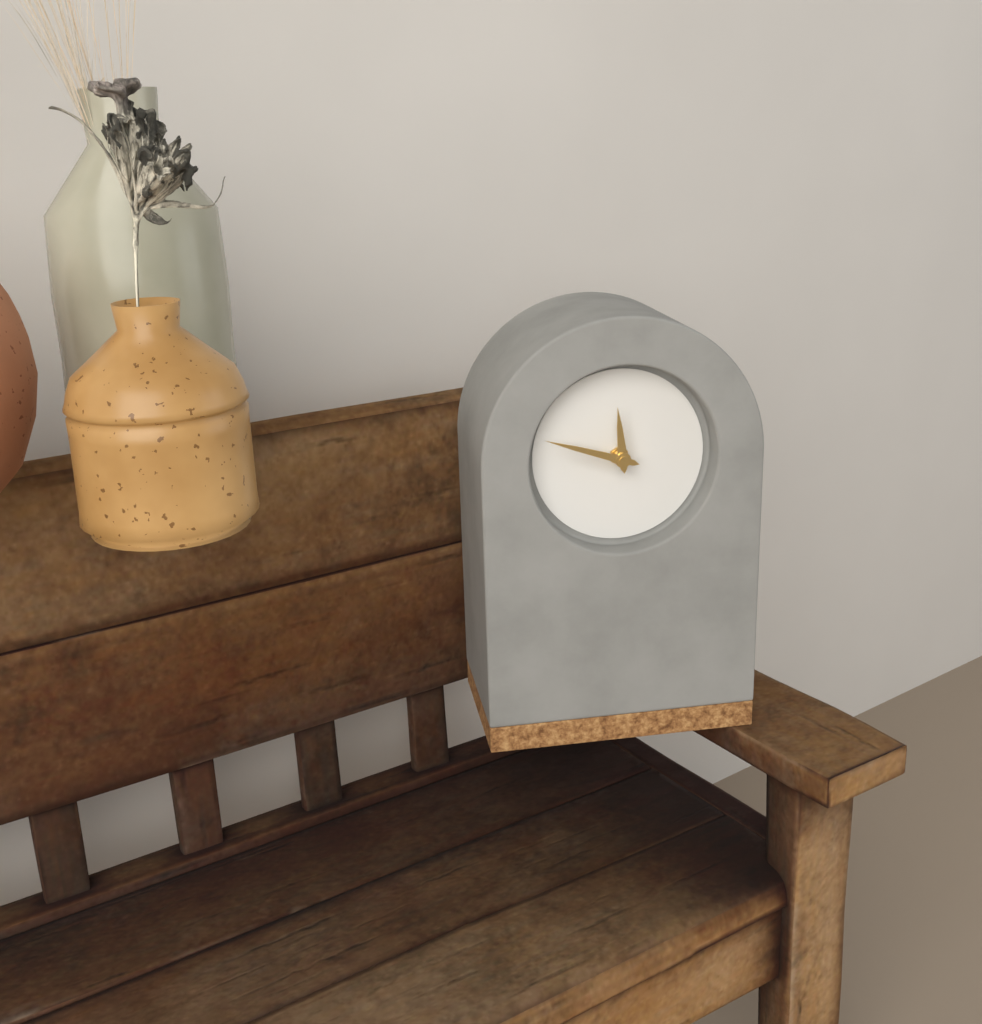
11h48
